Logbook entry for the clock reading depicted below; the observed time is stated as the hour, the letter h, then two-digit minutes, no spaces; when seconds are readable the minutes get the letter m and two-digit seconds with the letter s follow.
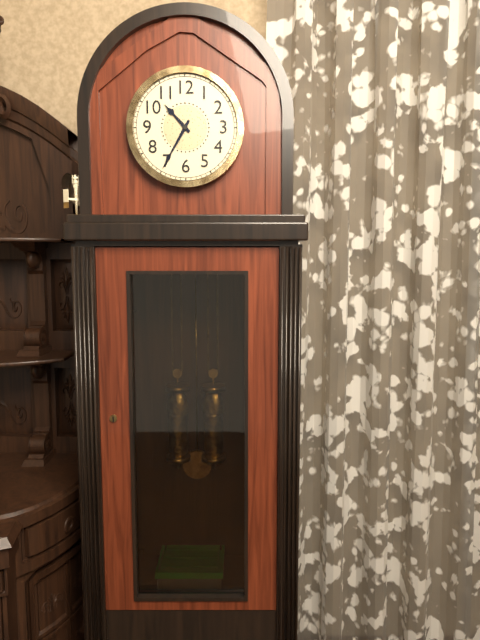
10h35
